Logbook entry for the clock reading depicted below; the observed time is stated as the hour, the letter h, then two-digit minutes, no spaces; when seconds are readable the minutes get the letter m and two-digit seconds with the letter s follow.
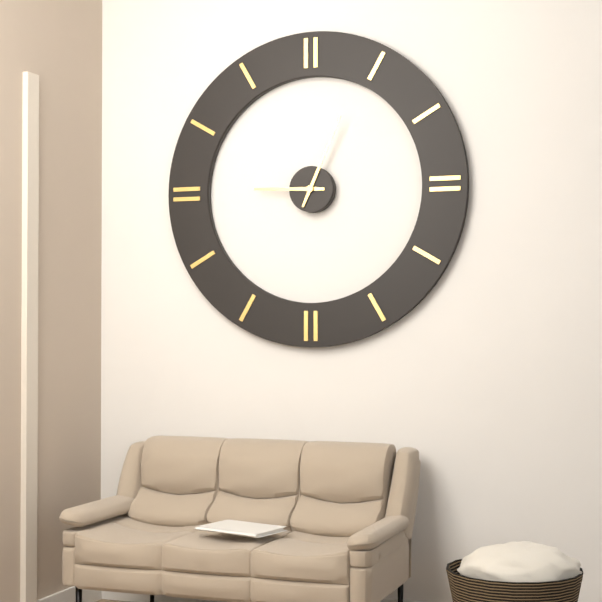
9h04
